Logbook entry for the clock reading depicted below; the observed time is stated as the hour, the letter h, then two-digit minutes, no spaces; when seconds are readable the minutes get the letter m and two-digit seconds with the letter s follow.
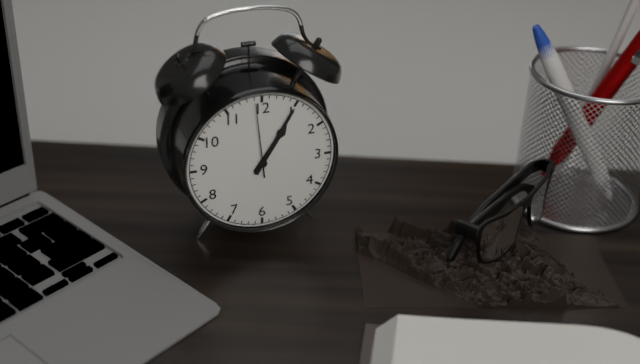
1h05m59s
